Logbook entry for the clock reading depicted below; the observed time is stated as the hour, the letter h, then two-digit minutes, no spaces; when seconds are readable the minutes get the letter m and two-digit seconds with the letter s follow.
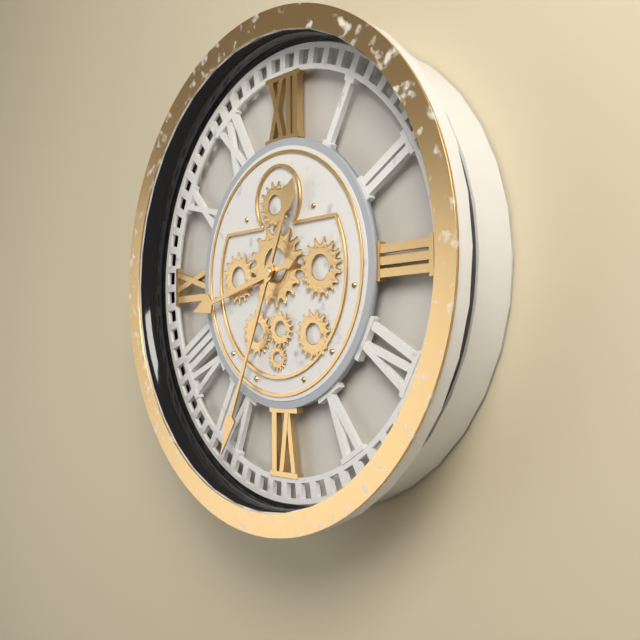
8h34
